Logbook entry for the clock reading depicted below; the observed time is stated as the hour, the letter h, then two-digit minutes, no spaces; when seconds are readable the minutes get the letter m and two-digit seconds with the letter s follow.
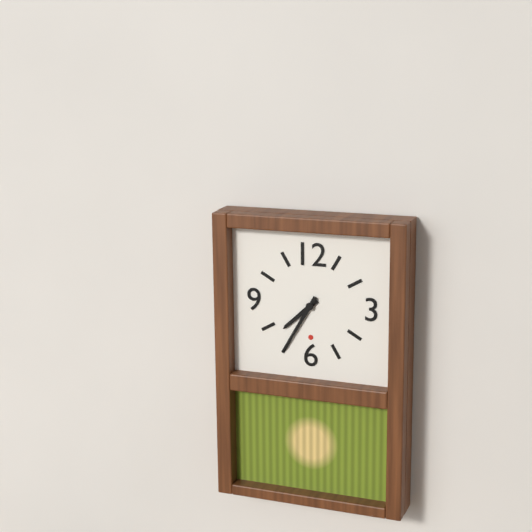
7h35
